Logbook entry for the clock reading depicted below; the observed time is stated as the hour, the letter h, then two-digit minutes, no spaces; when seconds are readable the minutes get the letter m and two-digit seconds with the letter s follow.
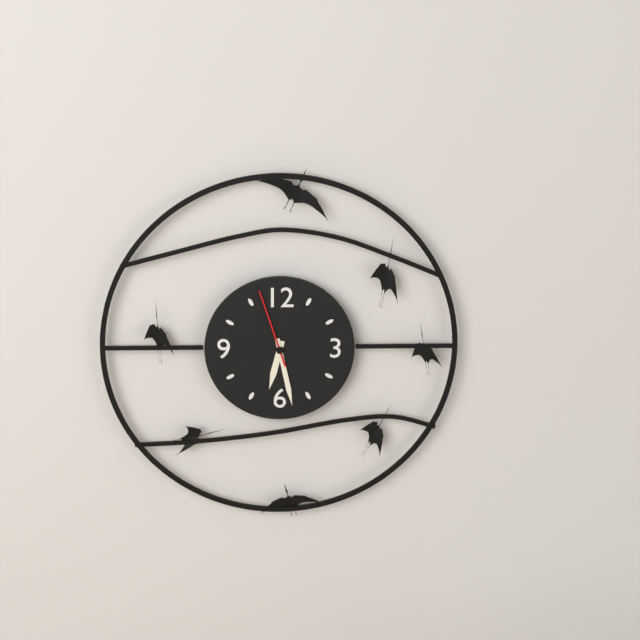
6h28m57s
